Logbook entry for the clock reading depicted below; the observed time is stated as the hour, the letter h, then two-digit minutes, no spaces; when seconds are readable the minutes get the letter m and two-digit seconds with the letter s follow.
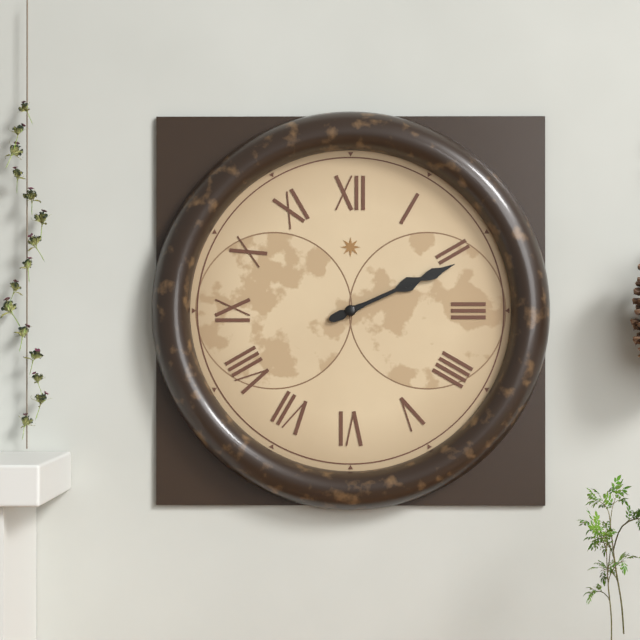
2h11
